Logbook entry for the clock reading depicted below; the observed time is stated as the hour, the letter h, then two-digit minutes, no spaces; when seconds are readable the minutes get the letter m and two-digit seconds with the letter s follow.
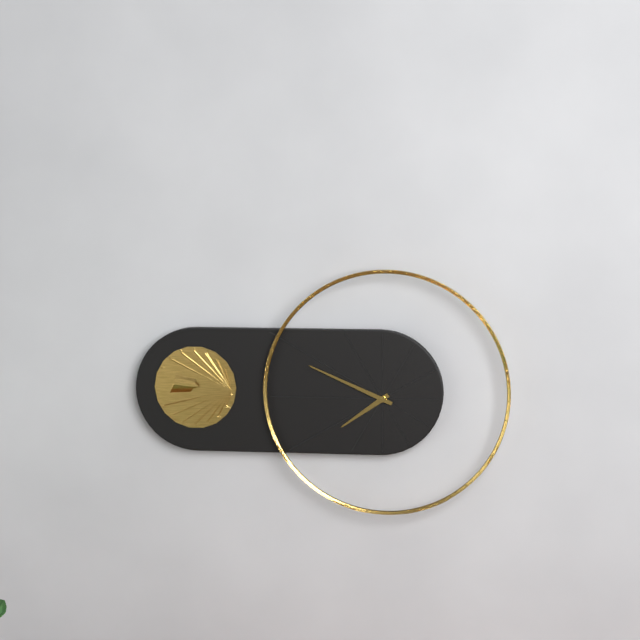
7h49
